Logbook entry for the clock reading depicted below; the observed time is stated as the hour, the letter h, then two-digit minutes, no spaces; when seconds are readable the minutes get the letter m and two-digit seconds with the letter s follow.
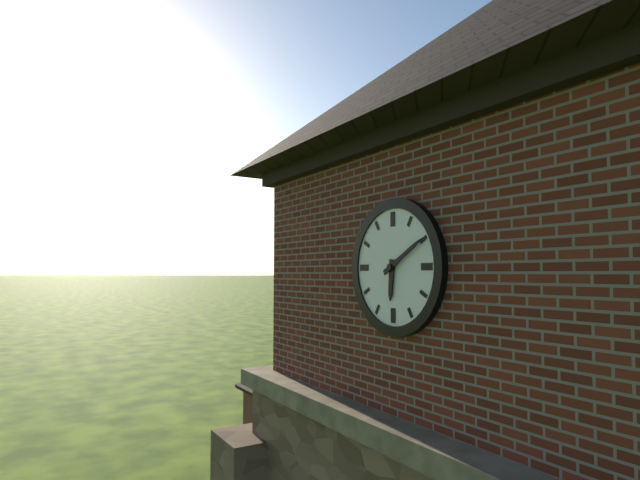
6h10
